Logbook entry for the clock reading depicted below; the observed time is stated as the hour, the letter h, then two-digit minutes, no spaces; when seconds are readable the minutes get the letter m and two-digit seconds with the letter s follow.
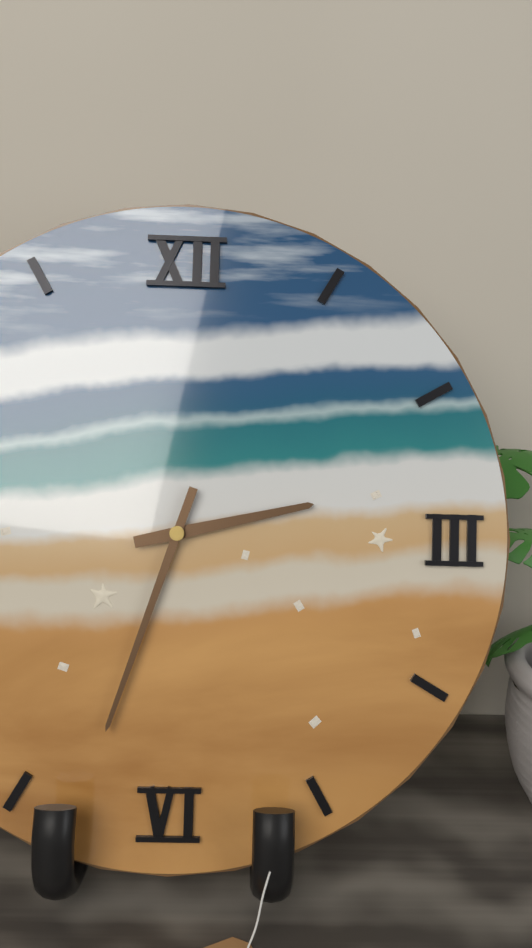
2h33
